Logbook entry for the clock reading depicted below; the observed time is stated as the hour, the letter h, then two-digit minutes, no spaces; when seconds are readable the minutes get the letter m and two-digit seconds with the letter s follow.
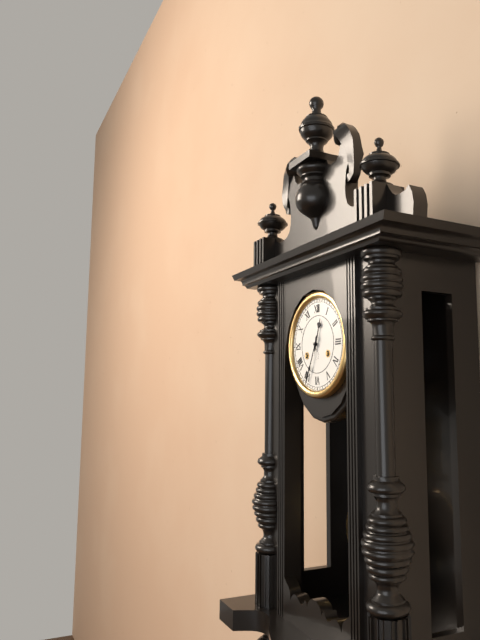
12h34
